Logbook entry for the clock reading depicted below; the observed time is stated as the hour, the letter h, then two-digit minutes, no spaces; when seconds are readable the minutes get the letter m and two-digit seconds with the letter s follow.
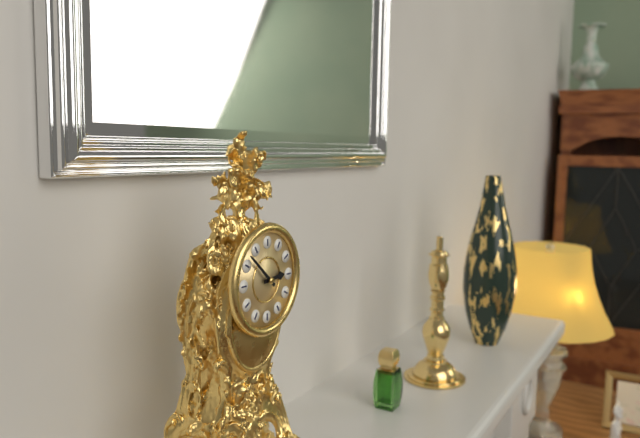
2h52
